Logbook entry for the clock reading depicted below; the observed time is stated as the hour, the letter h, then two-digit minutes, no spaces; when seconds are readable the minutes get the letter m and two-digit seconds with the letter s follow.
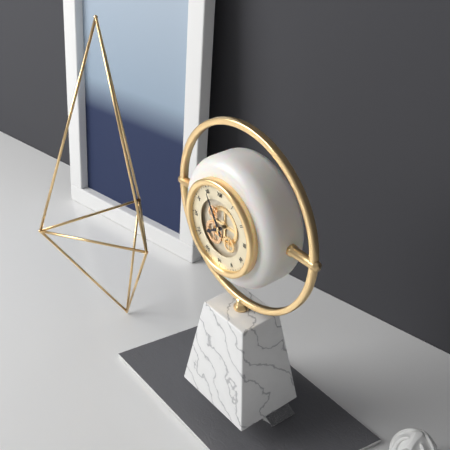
7h55
